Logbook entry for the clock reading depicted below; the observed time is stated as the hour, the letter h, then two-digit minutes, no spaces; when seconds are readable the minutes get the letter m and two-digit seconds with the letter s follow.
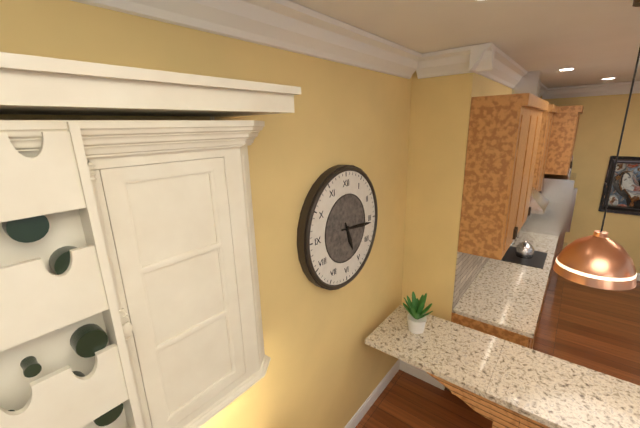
5h16
